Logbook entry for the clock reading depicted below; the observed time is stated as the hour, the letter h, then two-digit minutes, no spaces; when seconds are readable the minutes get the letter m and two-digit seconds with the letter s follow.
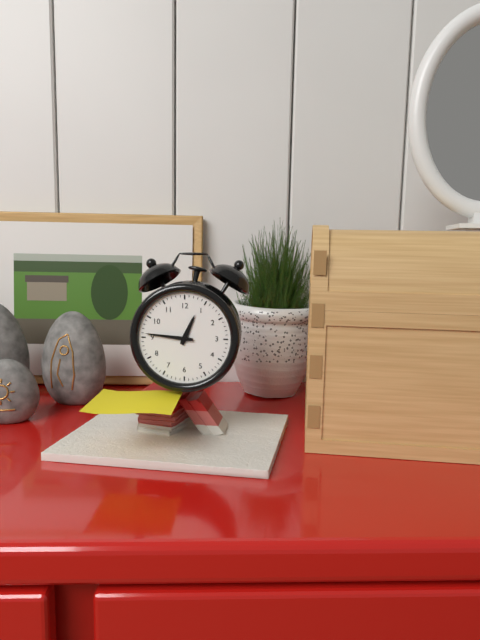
12h46
